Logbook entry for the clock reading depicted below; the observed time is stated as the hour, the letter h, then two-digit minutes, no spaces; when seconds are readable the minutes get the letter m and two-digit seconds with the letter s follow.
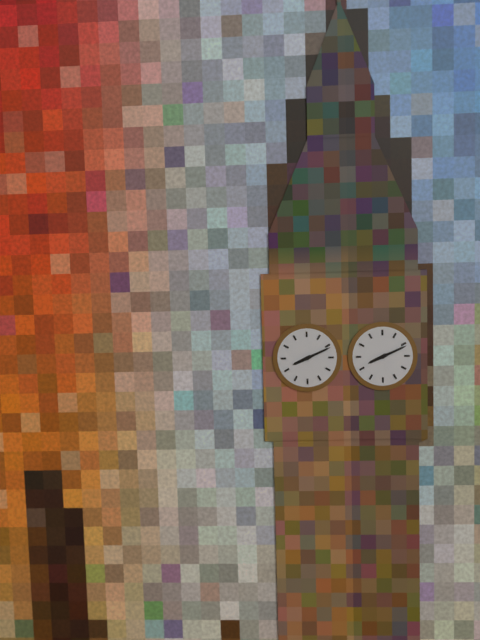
8h11
